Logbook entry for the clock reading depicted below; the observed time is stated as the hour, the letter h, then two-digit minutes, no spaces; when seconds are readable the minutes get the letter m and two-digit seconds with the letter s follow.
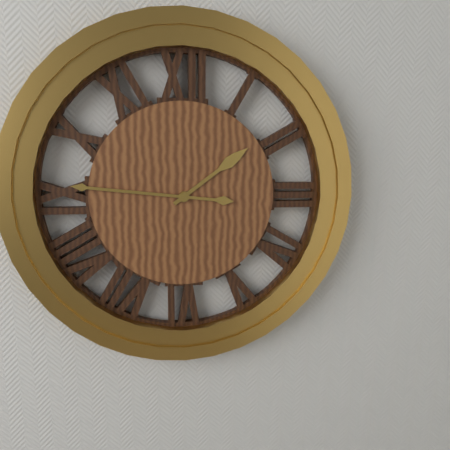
1h46
